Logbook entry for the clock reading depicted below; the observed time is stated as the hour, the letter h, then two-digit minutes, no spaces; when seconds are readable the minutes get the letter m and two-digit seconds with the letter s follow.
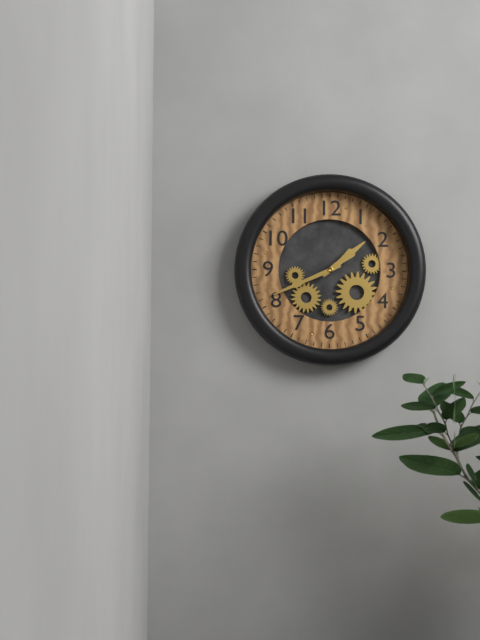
1h41
